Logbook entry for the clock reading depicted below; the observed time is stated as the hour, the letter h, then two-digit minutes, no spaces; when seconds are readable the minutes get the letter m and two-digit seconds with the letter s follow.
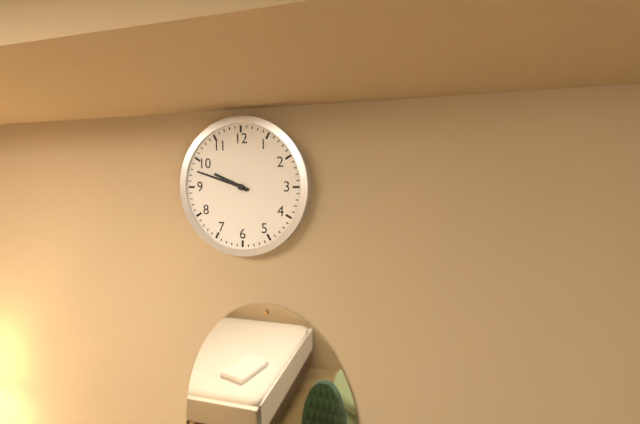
9h48
